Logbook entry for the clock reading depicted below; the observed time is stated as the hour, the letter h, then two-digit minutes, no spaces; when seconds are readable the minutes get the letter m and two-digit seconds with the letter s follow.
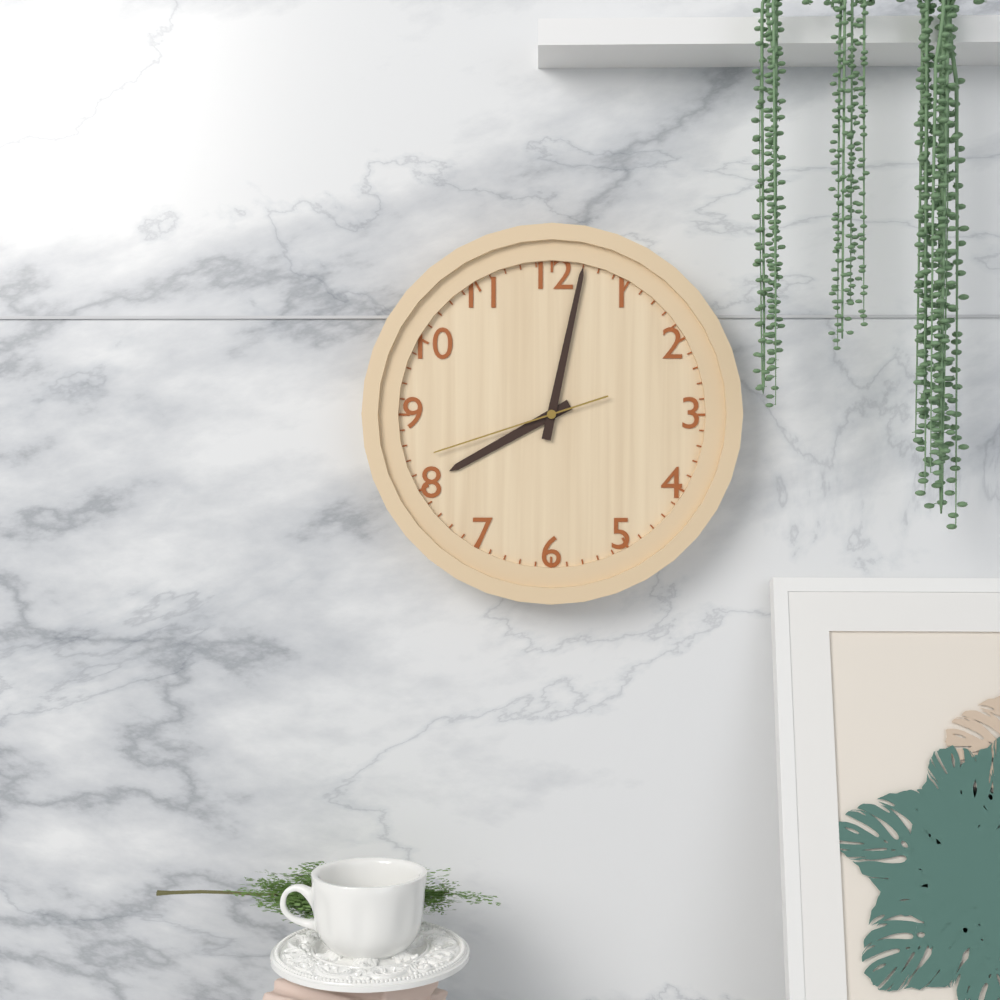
8h02m42s
